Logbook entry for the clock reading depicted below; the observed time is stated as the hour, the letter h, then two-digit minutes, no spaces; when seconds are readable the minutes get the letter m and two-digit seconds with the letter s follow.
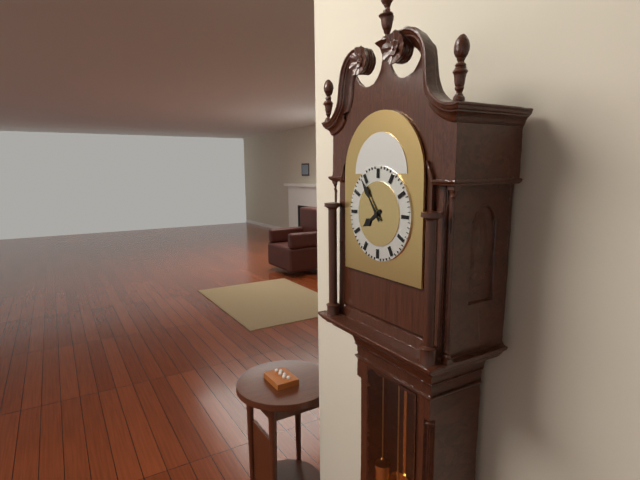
7h54
